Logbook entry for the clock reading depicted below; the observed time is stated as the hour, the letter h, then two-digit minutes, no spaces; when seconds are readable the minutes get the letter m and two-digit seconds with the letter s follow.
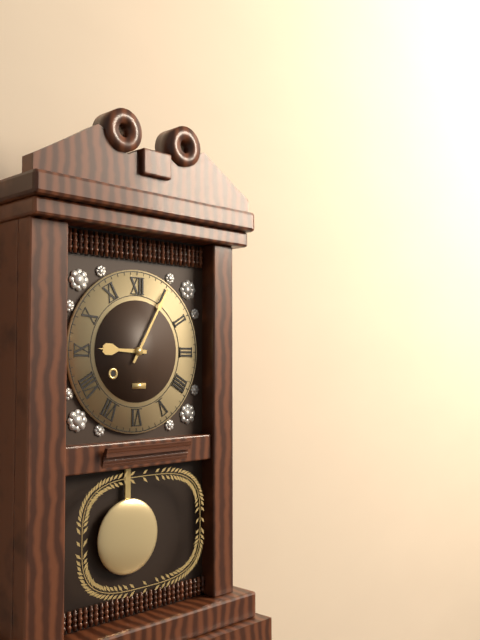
9h05
